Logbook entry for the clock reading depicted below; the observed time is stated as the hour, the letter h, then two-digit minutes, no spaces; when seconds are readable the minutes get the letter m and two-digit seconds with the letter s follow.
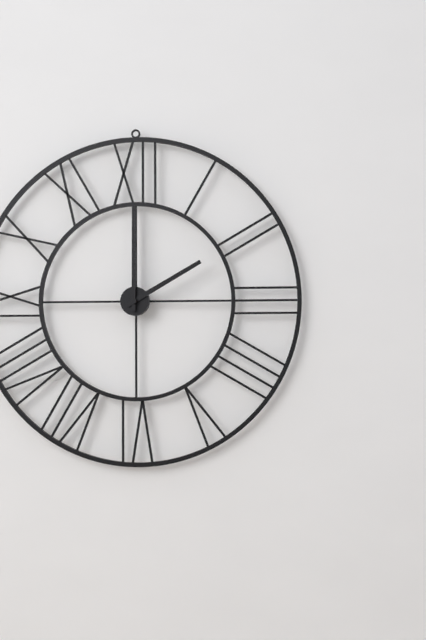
2h00
